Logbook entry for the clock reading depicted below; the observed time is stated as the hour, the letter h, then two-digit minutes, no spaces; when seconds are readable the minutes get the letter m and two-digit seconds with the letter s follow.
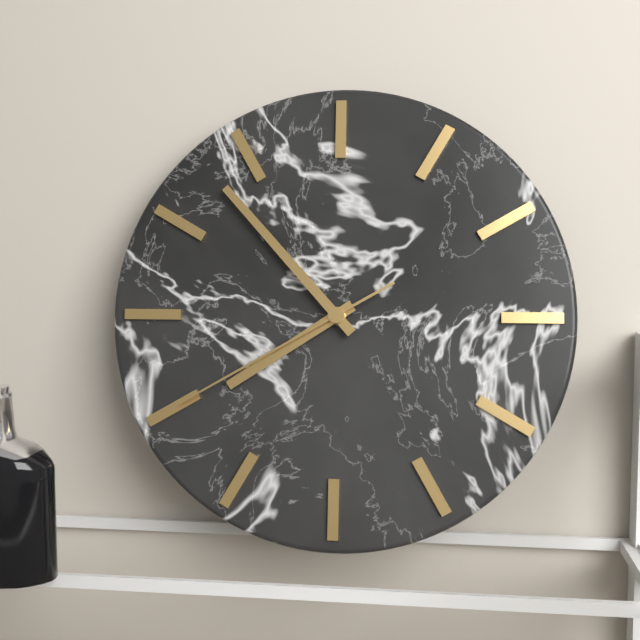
7h53m40s
